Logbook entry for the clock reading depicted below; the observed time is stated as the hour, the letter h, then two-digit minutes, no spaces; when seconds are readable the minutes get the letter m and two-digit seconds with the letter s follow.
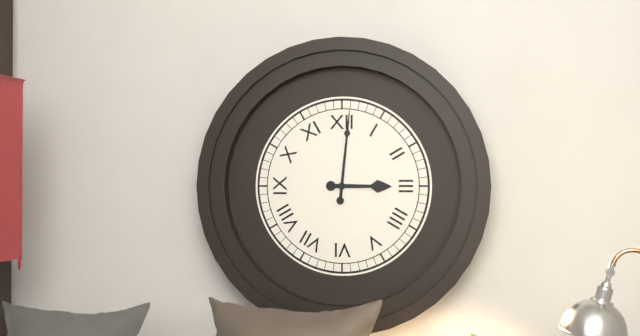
3h01
